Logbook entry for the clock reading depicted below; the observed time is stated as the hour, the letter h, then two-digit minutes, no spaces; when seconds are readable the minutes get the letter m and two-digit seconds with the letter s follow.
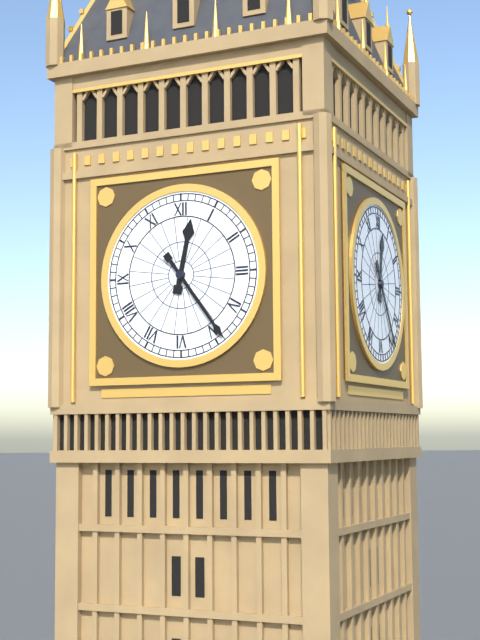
12h24
